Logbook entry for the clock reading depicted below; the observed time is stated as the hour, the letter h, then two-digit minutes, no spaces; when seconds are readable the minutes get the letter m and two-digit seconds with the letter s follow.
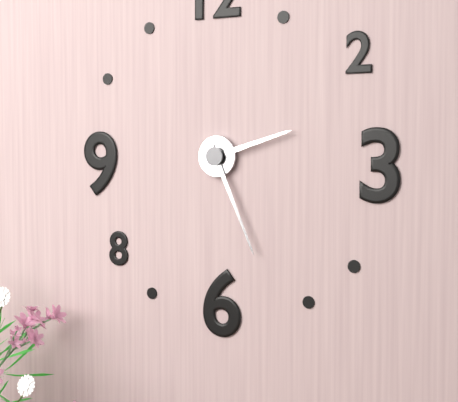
2h26
